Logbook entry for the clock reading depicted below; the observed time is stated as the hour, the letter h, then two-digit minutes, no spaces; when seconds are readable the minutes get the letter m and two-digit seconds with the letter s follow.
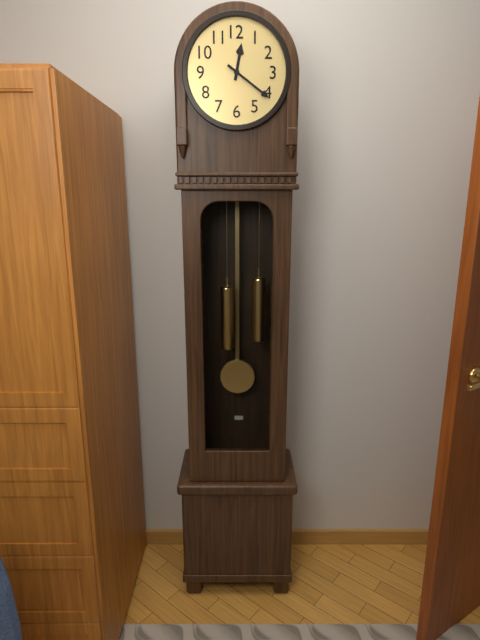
12h21
